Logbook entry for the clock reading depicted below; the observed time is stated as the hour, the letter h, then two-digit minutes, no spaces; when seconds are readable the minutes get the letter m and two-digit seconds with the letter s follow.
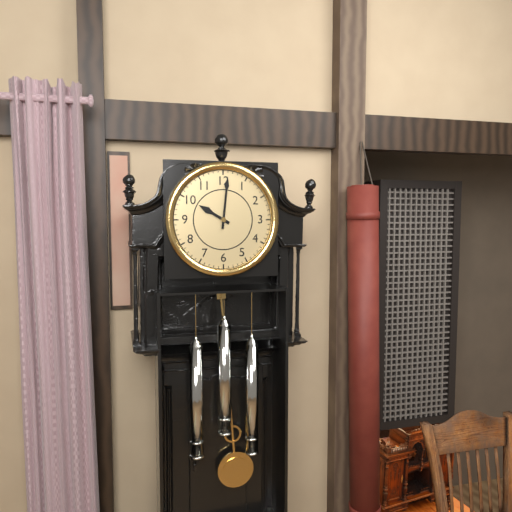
10h01
